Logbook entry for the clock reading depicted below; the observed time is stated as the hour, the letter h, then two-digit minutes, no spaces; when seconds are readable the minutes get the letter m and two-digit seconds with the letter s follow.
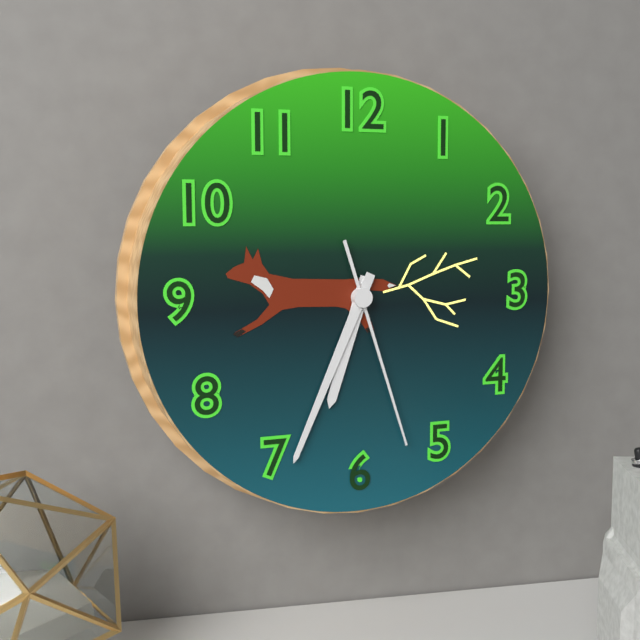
6h34m27s
